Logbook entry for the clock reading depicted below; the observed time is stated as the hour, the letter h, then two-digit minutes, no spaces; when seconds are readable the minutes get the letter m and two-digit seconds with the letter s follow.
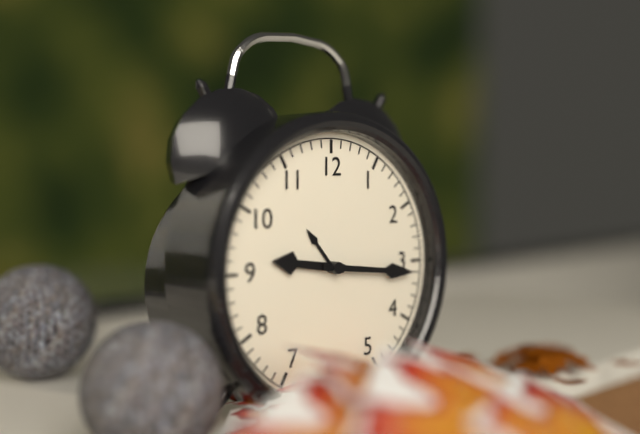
9h16
